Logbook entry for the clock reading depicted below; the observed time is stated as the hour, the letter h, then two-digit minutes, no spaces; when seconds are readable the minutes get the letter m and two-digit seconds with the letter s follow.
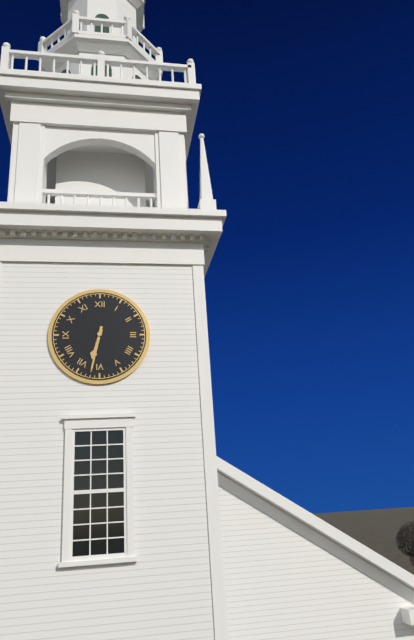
6h32
